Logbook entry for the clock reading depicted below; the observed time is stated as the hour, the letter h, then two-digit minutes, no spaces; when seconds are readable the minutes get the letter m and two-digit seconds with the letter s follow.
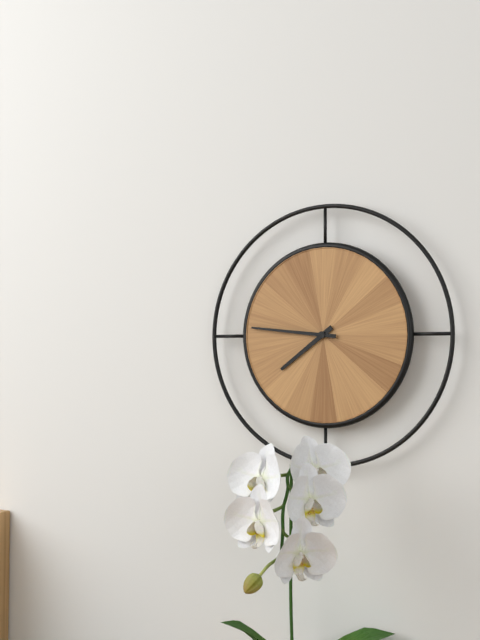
7h46
